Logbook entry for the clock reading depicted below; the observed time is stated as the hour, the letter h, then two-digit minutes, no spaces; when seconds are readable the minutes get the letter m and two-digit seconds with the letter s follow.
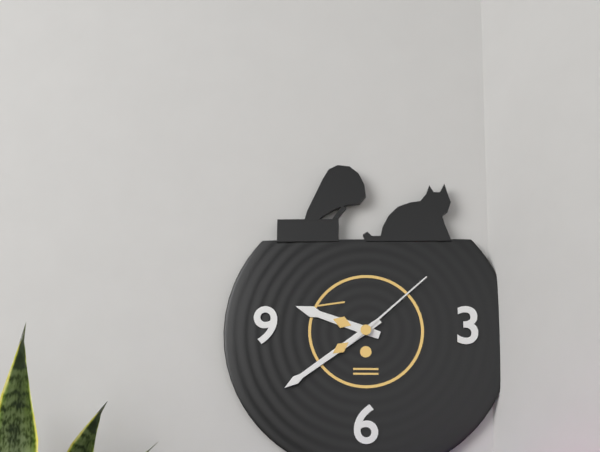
9h39m08s
